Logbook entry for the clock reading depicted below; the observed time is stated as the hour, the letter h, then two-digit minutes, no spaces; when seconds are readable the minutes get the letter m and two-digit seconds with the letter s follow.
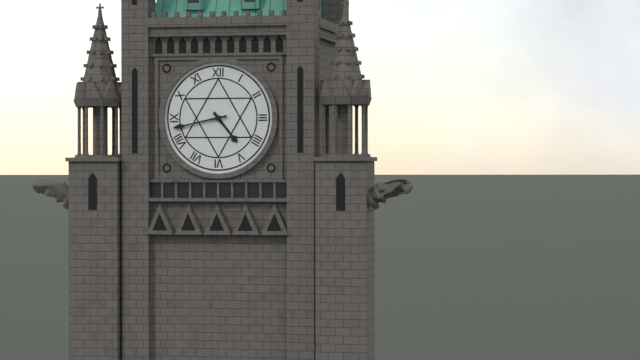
4h43
